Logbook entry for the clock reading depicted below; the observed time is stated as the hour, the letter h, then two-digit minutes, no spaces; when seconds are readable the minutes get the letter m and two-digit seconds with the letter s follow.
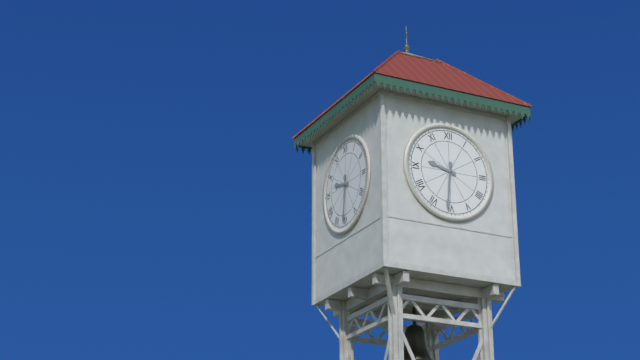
9h31
